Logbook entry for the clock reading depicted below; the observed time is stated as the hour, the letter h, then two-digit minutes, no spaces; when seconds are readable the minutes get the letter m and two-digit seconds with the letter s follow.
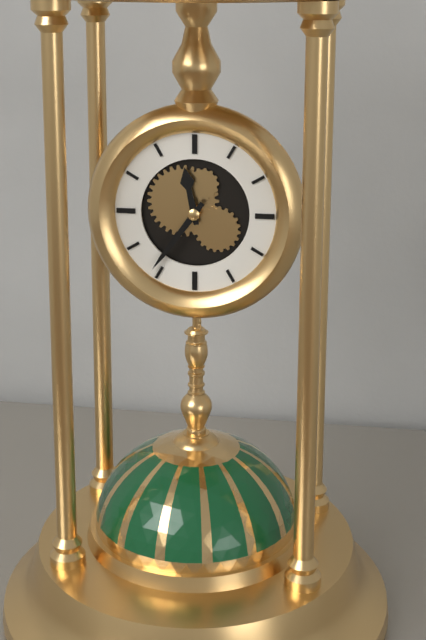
11h36
